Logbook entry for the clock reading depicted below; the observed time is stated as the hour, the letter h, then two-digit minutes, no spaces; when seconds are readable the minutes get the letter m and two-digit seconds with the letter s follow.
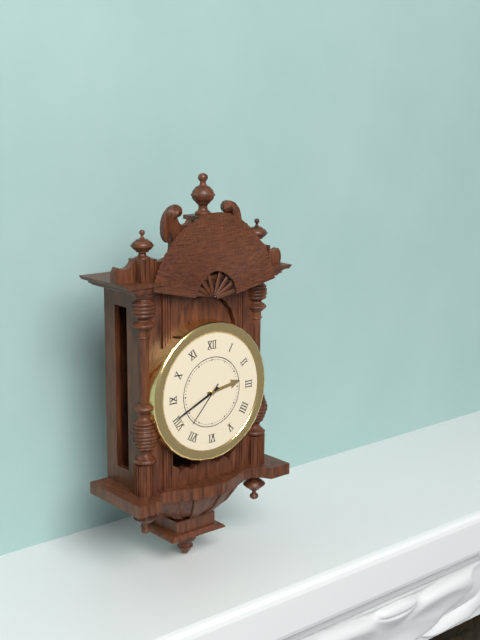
2h41
